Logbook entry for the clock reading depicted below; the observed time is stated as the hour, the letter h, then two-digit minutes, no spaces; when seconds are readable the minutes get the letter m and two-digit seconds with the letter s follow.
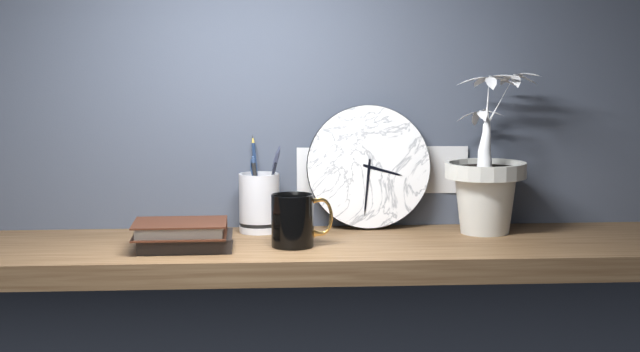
3h31
